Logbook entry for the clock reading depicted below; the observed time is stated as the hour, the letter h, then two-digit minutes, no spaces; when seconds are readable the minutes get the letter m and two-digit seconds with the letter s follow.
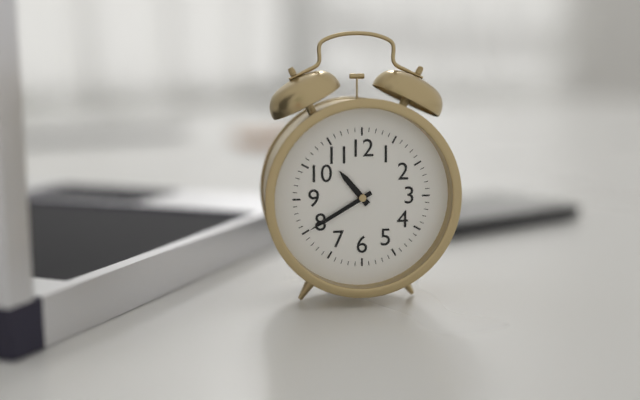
10h40
